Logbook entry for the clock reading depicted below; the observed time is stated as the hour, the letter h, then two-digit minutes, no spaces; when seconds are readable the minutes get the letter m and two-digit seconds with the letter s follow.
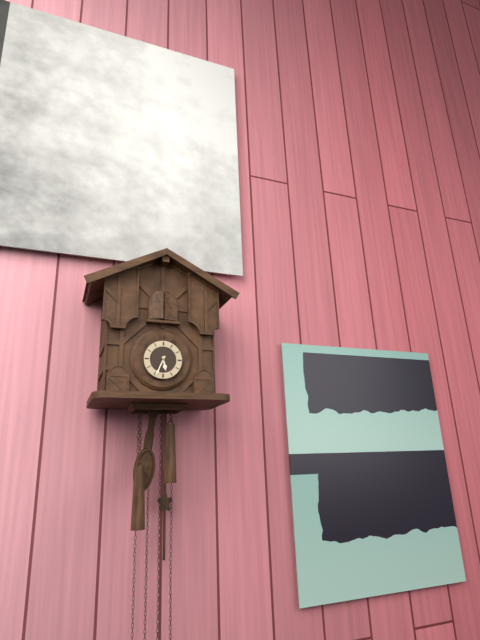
5h34
